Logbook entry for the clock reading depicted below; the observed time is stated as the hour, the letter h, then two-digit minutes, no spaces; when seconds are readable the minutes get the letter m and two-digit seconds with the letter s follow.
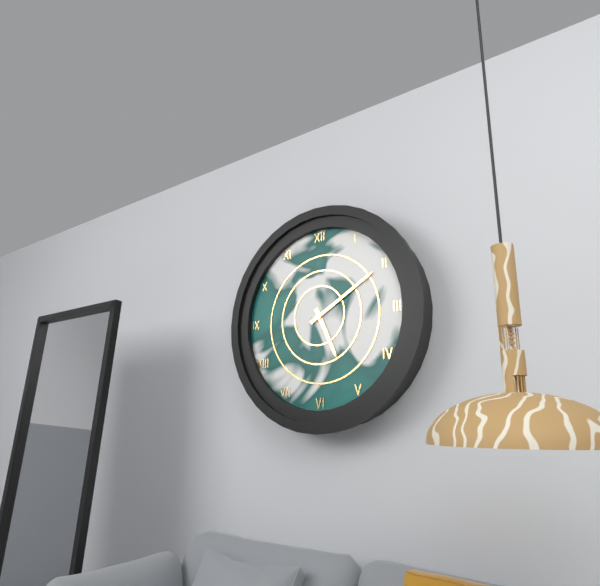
5h10
